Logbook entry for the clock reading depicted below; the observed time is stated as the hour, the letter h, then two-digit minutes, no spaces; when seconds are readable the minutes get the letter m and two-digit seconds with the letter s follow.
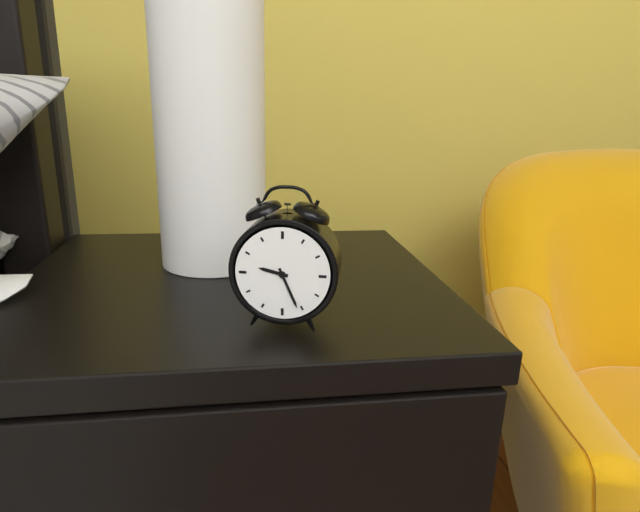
9h26
